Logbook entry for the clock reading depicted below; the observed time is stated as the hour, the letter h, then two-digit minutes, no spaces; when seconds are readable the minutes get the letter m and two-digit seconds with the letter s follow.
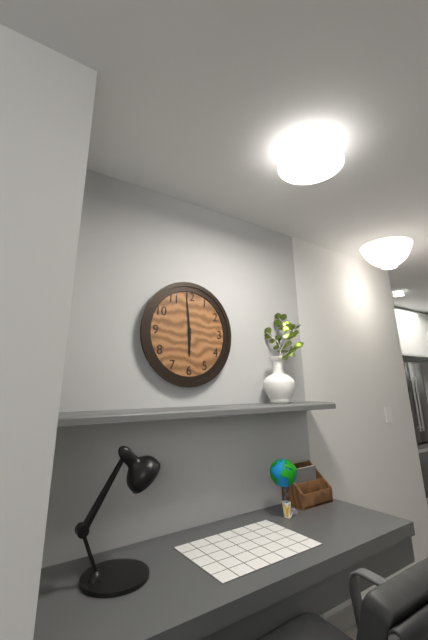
5h59
